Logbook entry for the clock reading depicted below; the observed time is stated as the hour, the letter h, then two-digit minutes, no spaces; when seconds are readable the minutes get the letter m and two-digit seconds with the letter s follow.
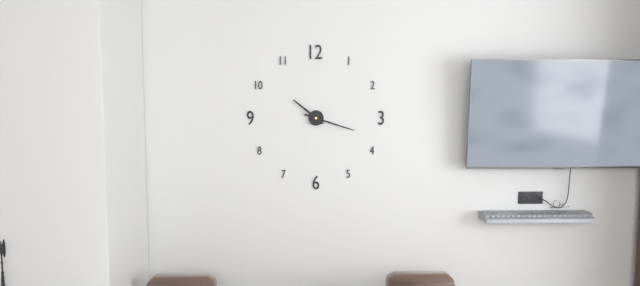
10h18
